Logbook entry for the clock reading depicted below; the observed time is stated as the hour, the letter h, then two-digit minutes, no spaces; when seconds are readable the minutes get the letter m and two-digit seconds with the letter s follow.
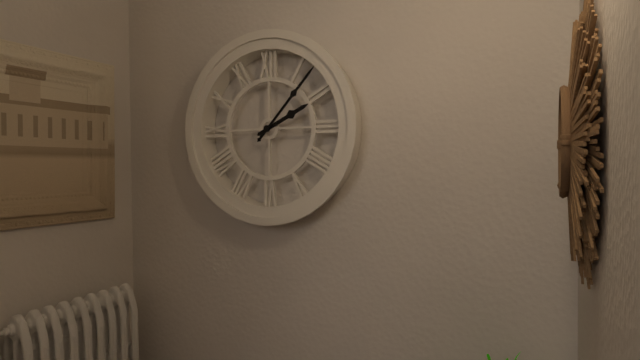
2h07
